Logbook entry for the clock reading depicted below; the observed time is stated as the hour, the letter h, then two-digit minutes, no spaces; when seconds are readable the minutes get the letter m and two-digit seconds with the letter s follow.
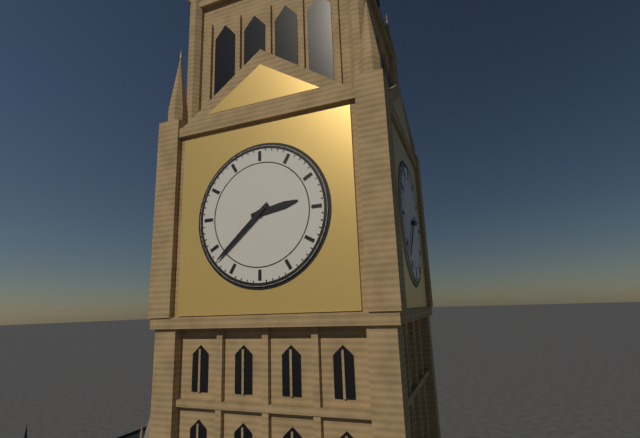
2h38
